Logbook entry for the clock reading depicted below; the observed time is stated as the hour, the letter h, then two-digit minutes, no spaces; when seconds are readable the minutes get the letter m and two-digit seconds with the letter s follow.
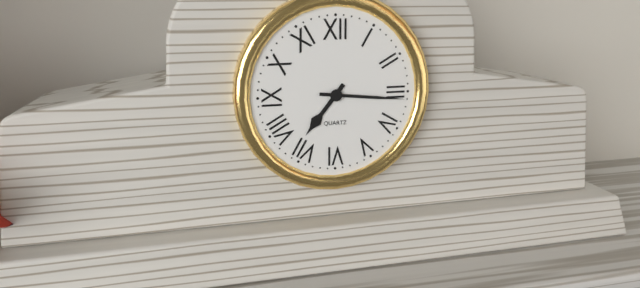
7h16
